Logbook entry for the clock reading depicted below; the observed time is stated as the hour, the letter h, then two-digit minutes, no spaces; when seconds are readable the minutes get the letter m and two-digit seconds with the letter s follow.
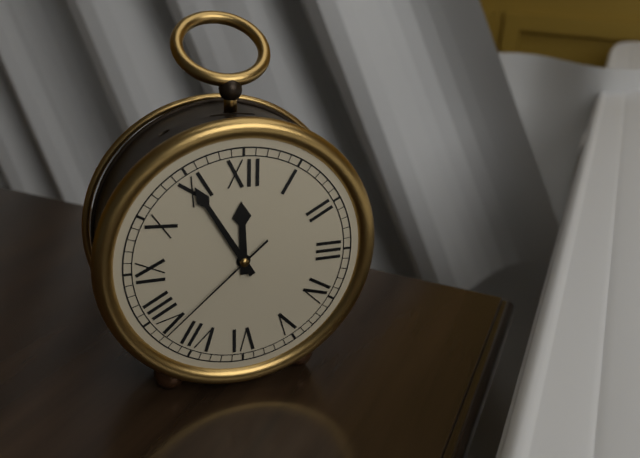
11h55m38s
